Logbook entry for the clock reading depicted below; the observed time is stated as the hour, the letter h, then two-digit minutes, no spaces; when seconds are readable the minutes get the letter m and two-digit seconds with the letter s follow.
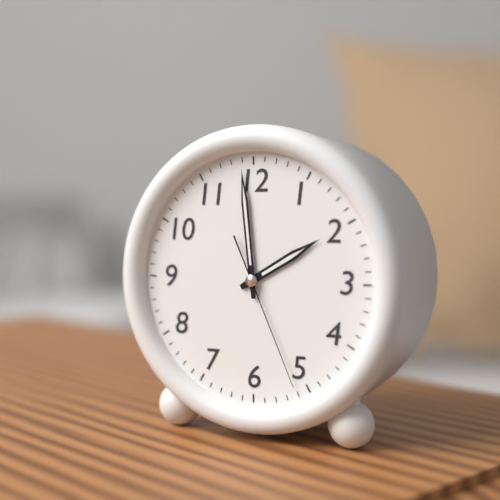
1h59m26s
